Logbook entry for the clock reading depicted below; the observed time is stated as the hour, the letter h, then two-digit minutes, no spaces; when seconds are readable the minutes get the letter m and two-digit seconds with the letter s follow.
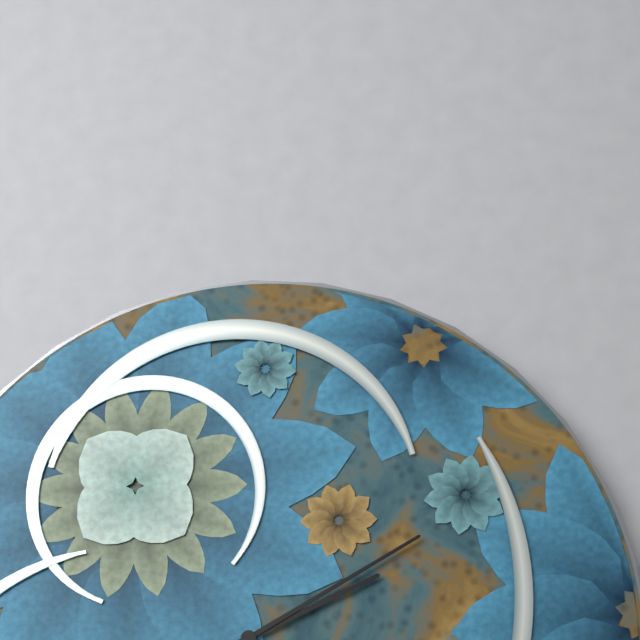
2h10
